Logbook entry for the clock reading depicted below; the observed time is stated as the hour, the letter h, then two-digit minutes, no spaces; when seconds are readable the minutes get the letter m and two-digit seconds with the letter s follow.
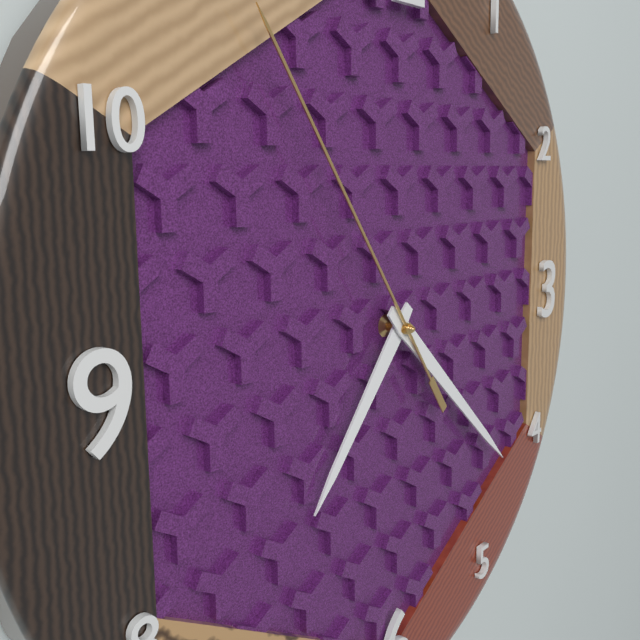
7h22m54s
